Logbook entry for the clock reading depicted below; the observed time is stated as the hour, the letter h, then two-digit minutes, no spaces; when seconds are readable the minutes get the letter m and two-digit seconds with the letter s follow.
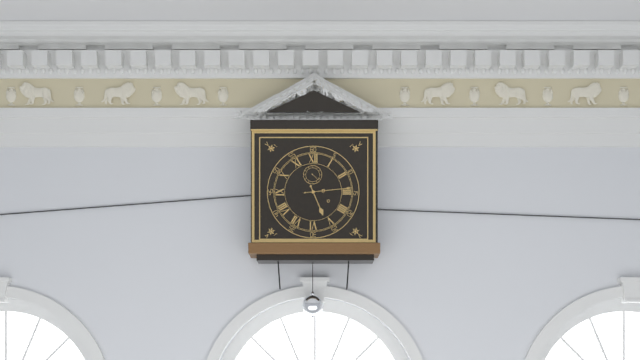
5h14
